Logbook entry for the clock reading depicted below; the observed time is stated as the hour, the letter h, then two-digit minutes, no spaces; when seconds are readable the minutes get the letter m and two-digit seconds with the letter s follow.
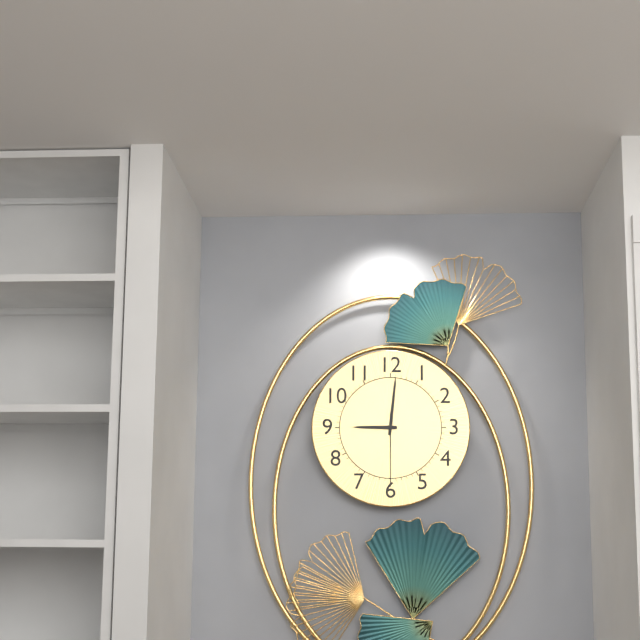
9h01m30s
